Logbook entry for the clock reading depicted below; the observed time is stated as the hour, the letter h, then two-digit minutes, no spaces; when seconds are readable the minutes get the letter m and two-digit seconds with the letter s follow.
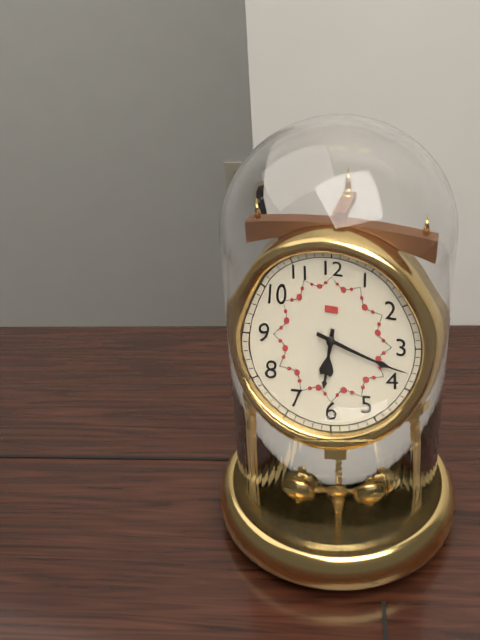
6h18
